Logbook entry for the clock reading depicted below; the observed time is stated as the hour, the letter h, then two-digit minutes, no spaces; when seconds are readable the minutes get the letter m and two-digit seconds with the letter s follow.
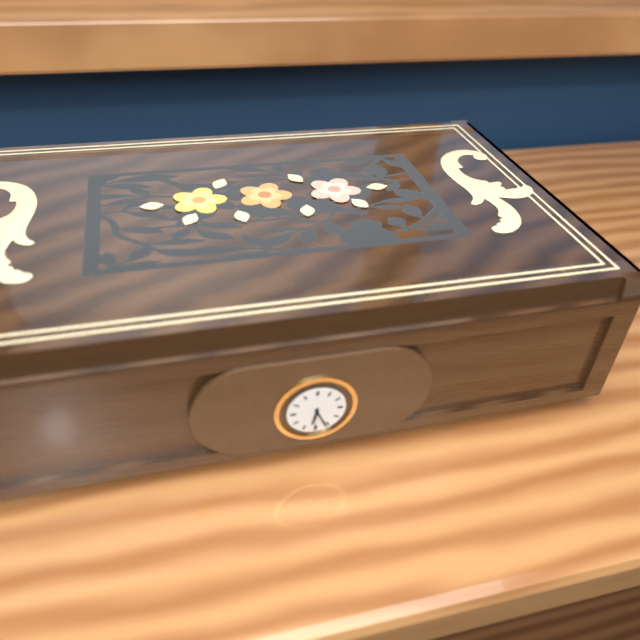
6h26m31s
